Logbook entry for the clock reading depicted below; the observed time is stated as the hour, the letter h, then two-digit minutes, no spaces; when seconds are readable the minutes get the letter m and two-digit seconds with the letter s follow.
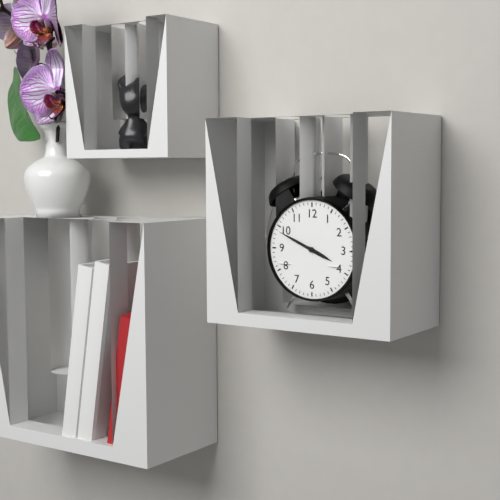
3h49
